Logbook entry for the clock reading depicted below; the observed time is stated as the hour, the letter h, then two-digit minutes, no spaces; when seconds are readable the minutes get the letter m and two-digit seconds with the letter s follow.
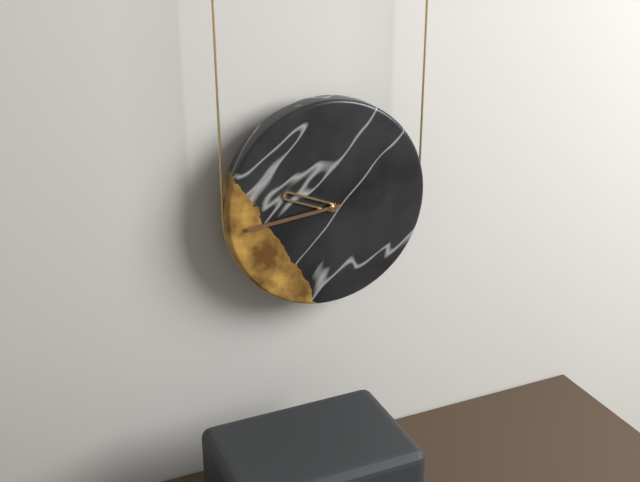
9h44
